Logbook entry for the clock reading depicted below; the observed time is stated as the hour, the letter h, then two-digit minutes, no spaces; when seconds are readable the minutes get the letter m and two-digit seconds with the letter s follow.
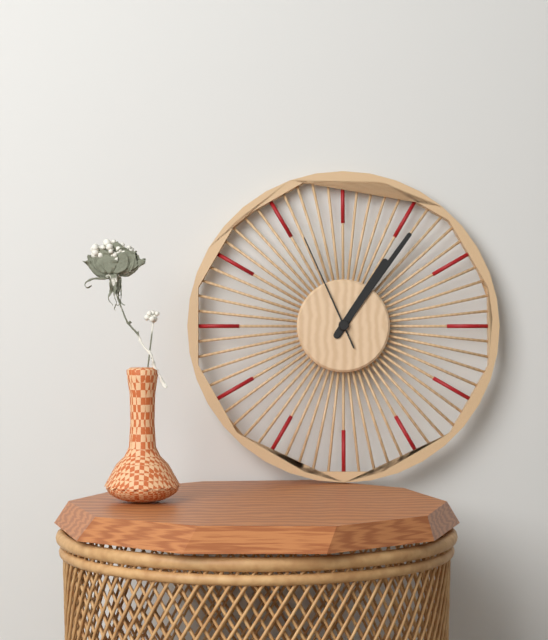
1h06m56s
